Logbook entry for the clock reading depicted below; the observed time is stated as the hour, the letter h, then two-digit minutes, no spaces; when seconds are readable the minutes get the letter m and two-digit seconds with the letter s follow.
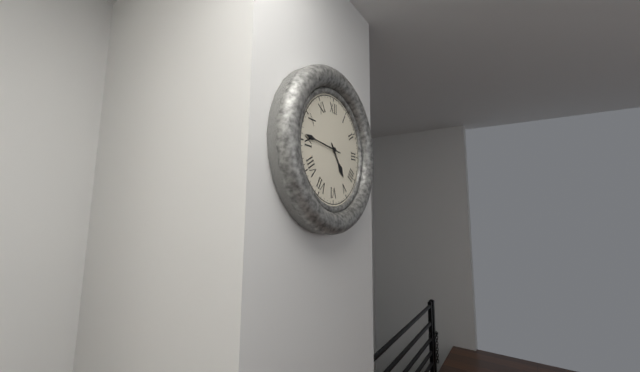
4h46
